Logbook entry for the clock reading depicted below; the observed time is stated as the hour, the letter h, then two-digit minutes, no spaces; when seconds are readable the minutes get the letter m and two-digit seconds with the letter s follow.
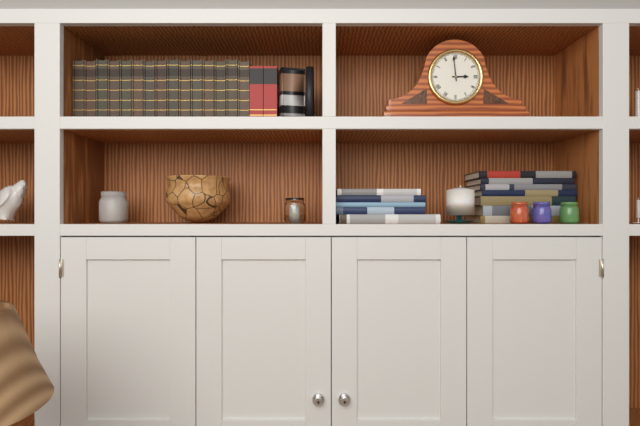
2h59
